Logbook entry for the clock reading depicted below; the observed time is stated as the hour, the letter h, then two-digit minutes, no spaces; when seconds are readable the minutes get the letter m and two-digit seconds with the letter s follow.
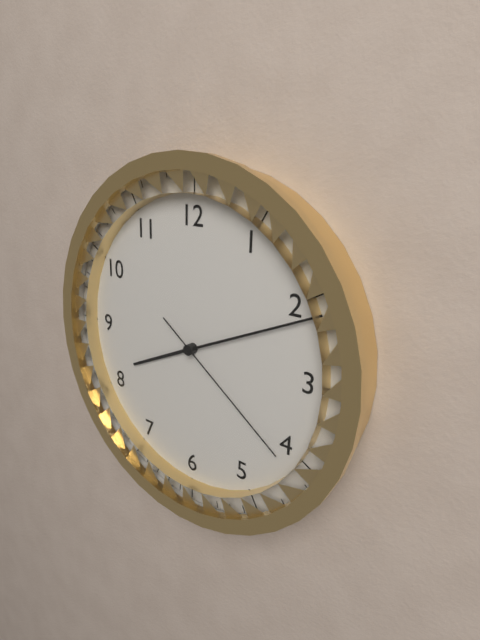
8h11m21s
